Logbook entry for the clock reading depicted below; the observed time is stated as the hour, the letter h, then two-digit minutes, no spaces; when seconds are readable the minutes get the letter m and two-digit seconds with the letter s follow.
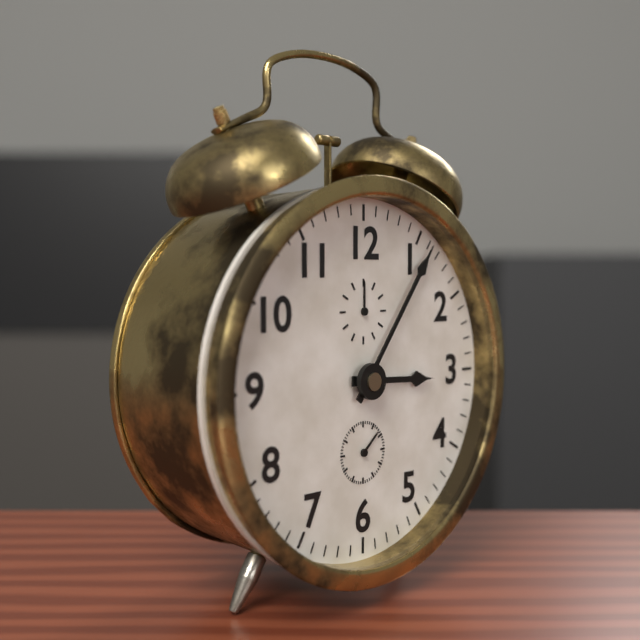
3h06
